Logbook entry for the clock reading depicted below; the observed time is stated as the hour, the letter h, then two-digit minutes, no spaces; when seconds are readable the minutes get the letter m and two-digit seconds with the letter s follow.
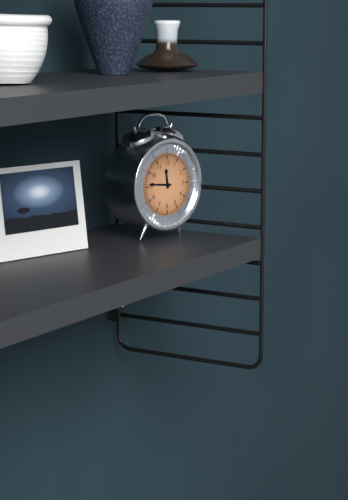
11h46
